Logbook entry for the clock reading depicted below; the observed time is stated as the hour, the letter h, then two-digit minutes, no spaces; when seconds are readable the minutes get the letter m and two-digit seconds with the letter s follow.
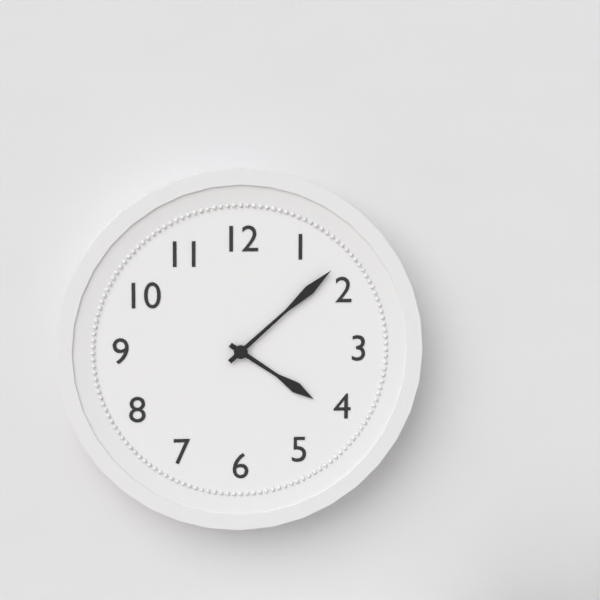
4h08
